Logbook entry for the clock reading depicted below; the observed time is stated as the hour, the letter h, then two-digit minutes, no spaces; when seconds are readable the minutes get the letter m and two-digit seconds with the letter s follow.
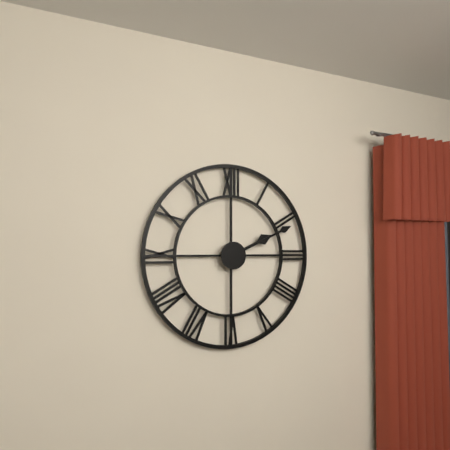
2h11
